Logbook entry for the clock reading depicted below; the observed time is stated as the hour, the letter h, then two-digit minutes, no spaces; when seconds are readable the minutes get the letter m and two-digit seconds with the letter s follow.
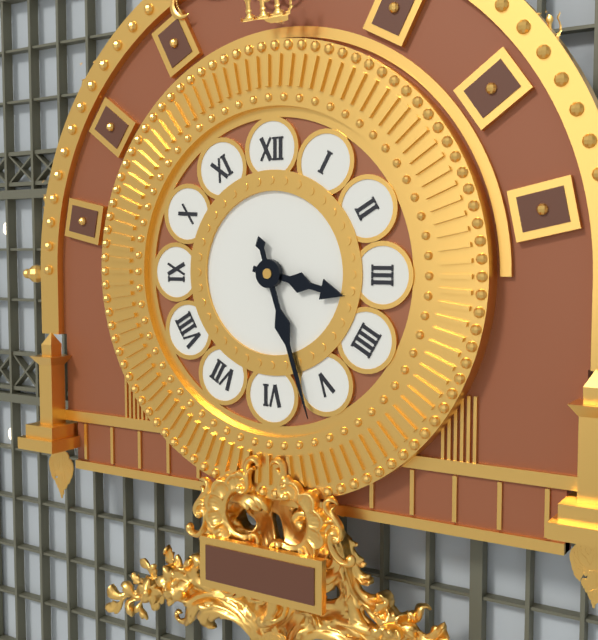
3h27
